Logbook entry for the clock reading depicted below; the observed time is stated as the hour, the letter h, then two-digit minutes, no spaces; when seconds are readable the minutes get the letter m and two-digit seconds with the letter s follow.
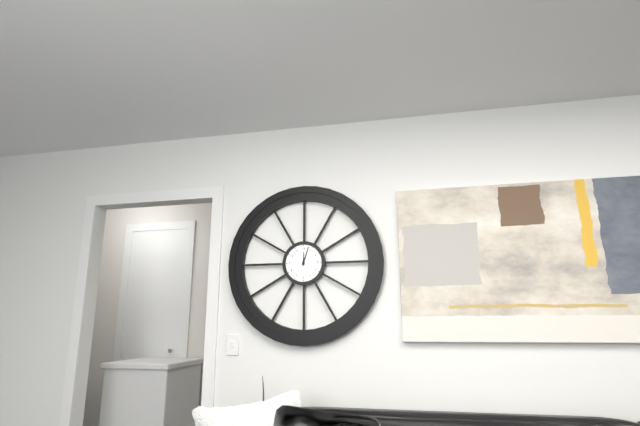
12h03
